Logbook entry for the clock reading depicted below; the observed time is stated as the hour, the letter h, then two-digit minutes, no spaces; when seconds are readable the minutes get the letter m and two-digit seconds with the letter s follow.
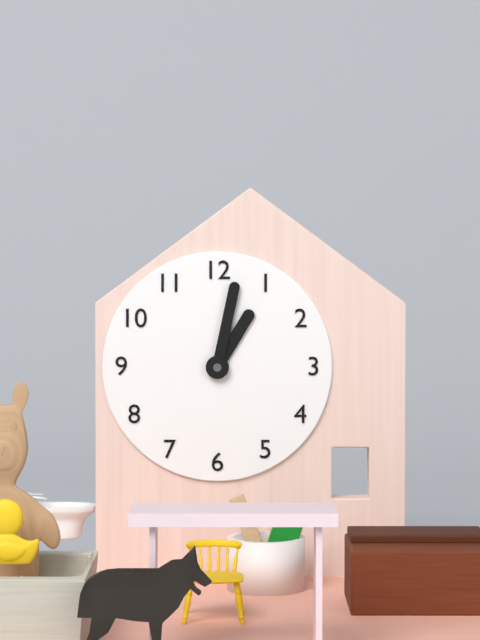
1h02
